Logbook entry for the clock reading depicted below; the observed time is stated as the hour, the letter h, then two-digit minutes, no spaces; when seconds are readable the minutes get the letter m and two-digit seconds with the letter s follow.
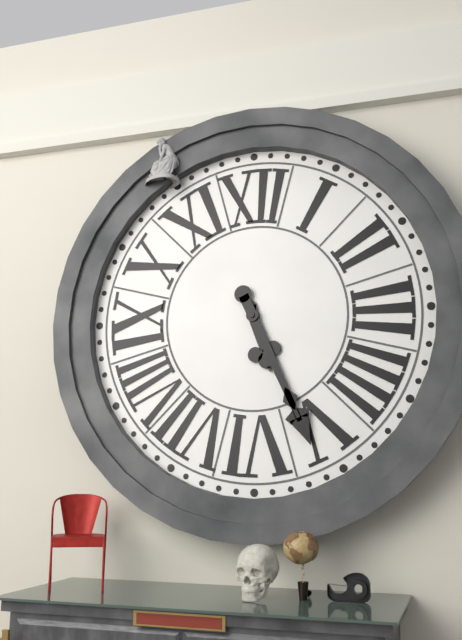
5h26
